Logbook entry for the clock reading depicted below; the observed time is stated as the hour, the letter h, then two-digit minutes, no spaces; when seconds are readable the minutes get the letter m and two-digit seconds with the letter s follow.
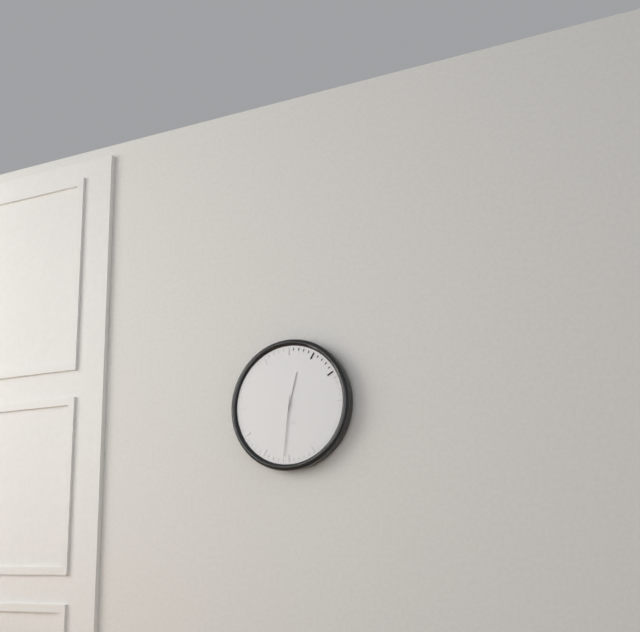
12h31
